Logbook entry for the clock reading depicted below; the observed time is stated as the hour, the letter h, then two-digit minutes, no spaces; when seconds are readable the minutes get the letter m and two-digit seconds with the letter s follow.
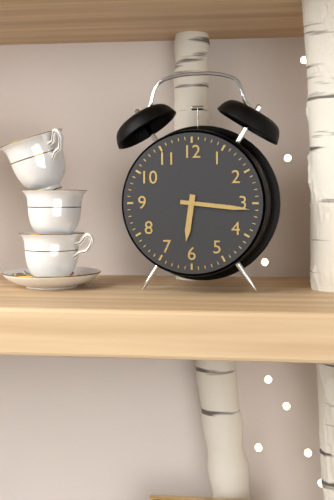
6h16
